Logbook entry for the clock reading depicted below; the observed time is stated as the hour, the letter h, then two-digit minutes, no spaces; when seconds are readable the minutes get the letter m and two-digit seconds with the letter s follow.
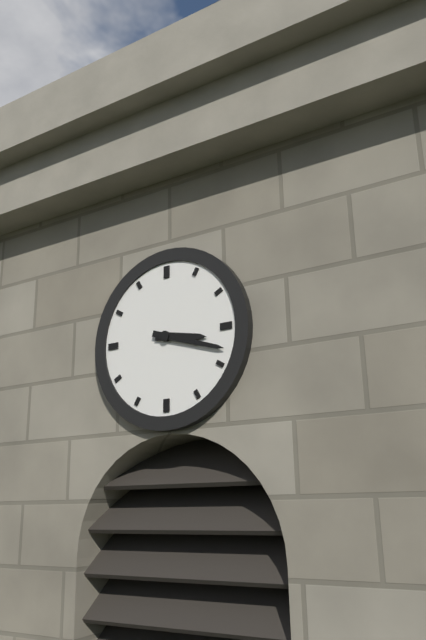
3h18
